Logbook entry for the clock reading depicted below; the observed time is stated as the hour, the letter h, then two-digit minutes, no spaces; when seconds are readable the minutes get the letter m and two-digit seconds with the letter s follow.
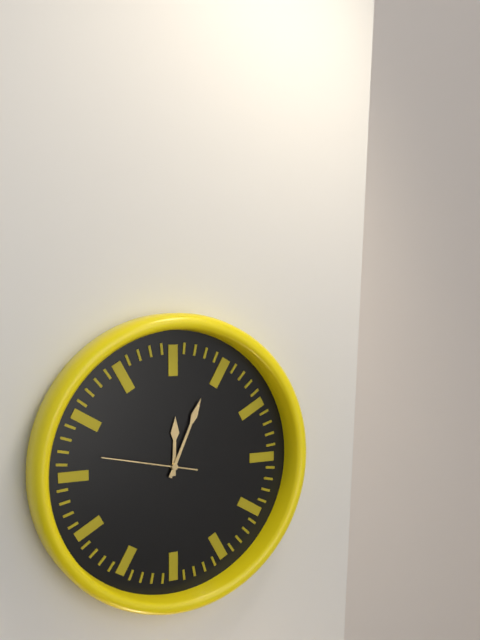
12h04m47s
